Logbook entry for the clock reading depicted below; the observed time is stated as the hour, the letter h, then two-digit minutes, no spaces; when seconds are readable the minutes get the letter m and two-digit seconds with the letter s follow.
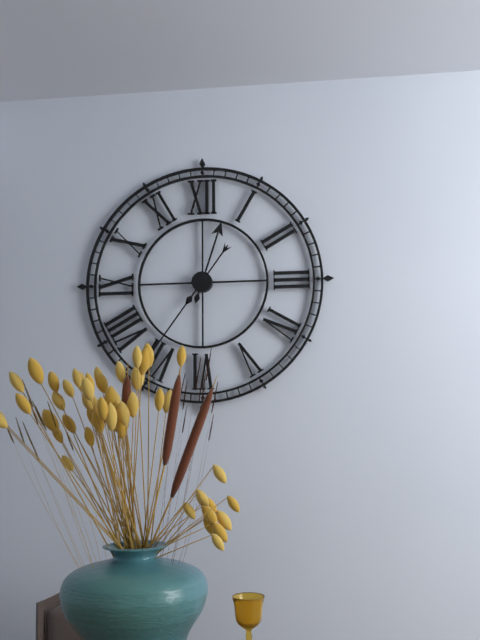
12h36
